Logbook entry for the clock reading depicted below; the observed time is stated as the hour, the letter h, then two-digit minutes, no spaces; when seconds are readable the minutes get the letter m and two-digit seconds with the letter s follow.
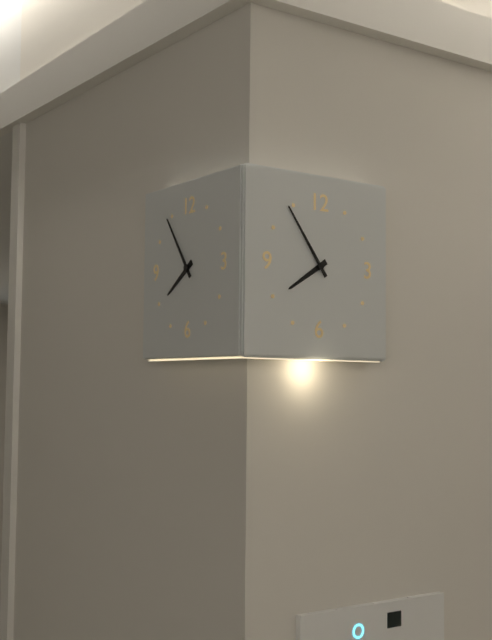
7h54
